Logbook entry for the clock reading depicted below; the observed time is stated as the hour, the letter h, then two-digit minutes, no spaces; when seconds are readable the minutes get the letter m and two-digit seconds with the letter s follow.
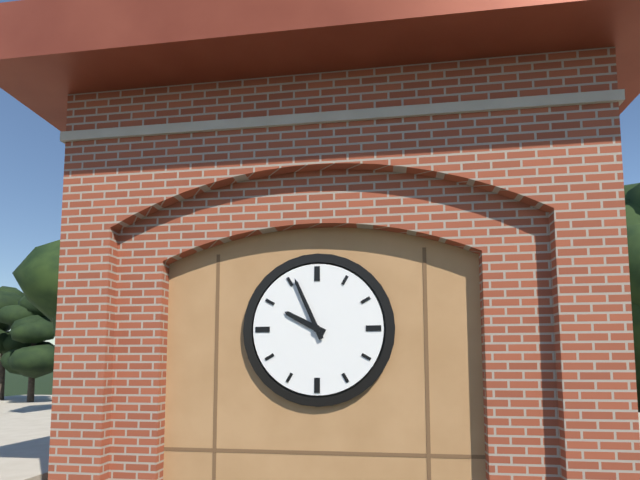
9h56
